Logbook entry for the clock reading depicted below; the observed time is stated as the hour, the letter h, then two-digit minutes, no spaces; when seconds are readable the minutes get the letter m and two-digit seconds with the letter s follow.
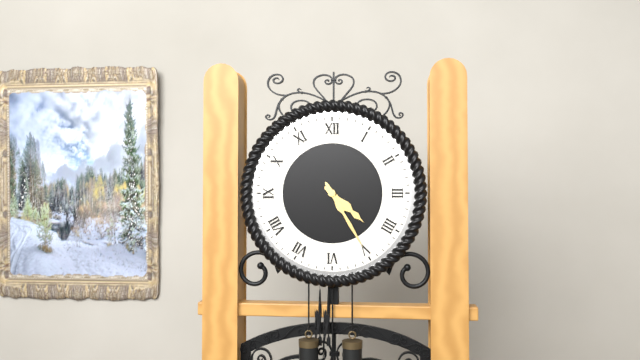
4h25
